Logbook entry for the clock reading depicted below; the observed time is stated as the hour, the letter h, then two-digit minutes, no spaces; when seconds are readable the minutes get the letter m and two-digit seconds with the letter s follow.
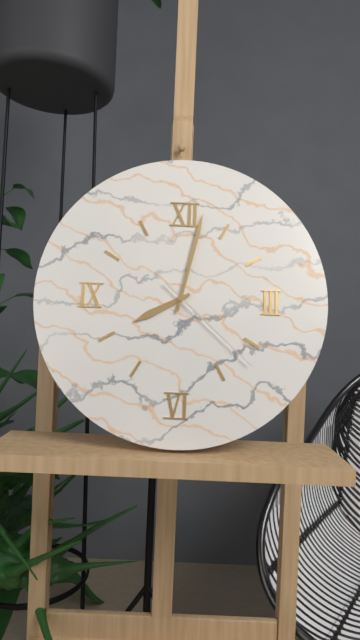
8h02m22s
